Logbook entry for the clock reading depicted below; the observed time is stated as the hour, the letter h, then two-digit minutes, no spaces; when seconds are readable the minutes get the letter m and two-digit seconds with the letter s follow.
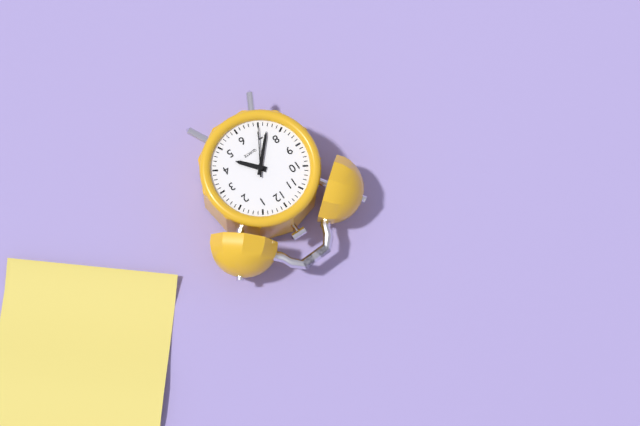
4h37m35s
